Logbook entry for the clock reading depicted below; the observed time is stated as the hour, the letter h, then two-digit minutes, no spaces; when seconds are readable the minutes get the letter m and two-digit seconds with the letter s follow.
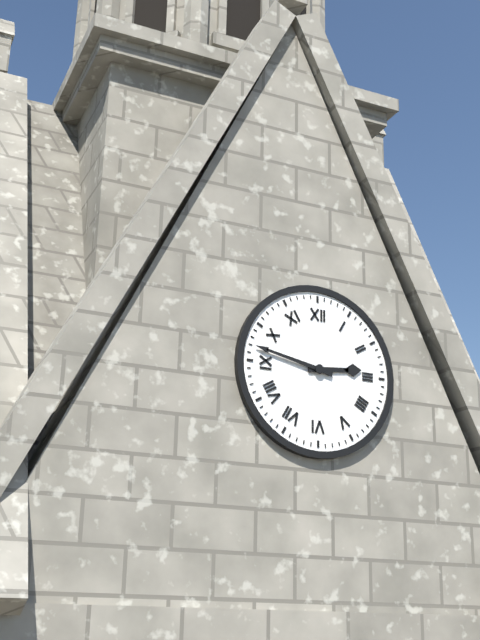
2h47
